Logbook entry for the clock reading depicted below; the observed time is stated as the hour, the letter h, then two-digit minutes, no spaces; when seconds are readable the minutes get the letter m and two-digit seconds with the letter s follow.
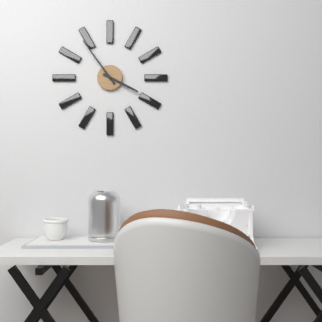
3h54
